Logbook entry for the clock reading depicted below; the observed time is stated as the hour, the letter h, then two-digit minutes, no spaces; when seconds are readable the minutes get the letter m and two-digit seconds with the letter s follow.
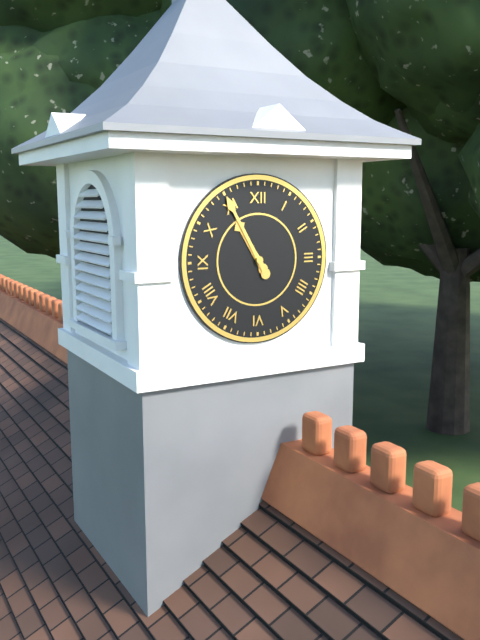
10h55
